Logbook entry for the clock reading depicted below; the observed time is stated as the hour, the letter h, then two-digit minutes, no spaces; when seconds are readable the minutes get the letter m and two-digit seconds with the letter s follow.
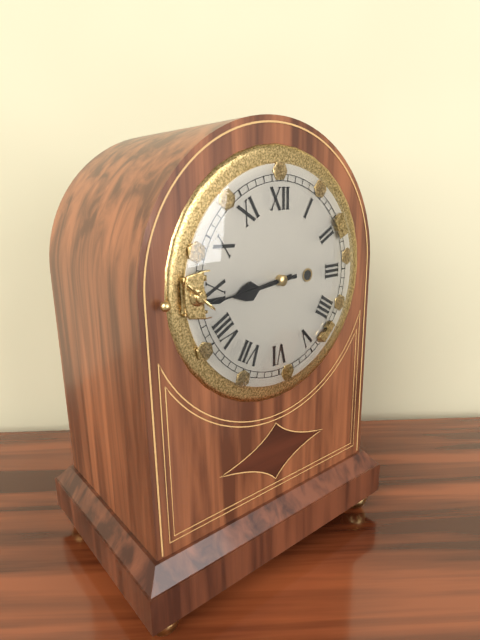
8h44
